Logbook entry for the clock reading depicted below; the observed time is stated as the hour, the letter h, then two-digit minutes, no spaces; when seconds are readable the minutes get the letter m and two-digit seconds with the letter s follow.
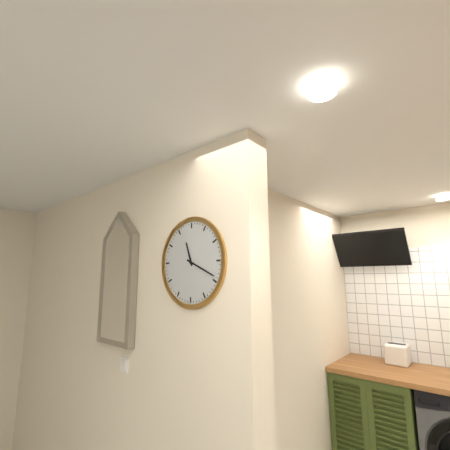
11h19
